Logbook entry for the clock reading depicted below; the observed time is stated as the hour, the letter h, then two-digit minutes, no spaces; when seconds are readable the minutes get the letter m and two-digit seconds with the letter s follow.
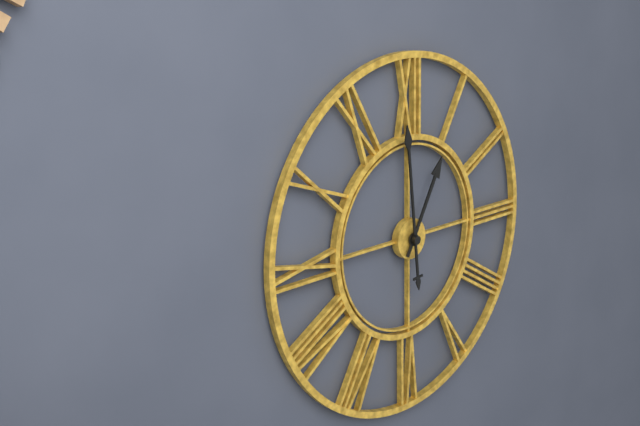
12h59
